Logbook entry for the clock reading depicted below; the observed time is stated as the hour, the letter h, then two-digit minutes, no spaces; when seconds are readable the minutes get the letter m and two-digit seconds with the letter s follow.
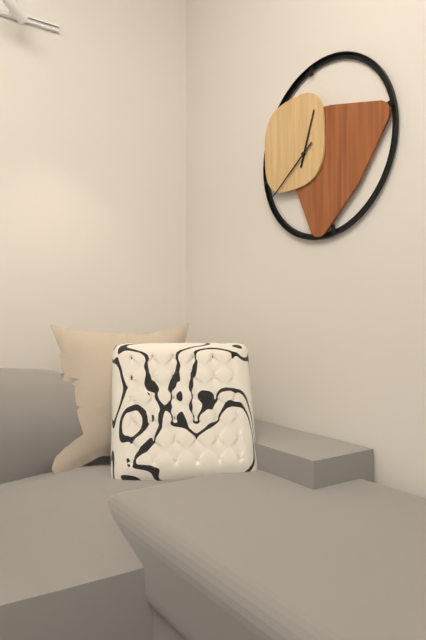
12h39
